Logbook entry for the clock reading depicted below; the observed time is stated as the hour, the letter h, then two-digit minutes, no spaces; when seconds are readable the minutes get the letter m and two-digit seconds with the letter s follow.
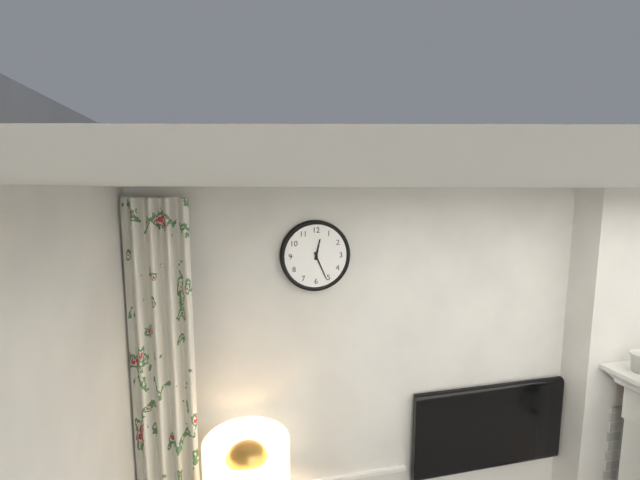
12h26
